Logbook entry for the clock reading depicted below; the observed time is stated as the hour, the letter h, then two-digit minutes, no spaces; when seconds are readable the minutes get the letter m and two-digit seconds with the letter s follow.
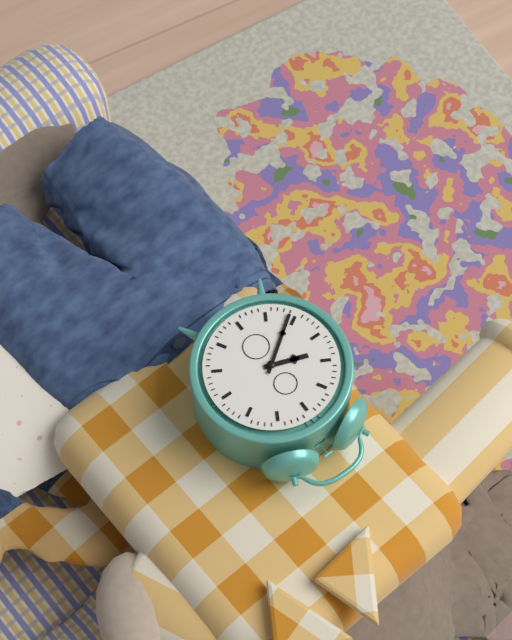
9h39
